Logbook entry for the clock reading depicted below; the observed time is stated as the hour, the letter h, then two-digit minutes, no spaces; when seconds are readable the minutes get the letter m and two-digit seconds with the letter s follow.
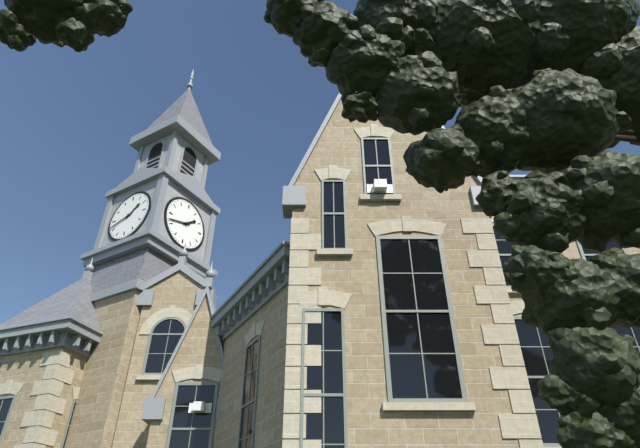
1h42
